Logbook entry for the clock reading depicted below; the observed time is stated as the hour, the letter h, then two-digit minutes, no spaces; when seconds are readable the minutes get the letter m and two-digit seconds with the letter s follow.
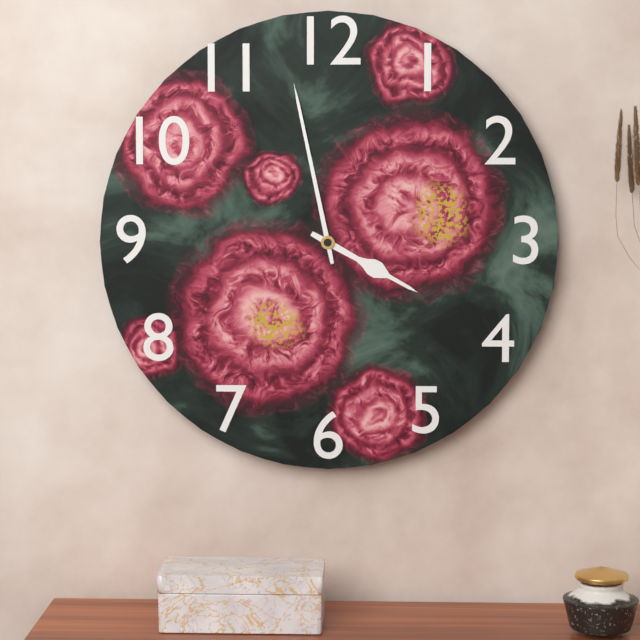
3h58
